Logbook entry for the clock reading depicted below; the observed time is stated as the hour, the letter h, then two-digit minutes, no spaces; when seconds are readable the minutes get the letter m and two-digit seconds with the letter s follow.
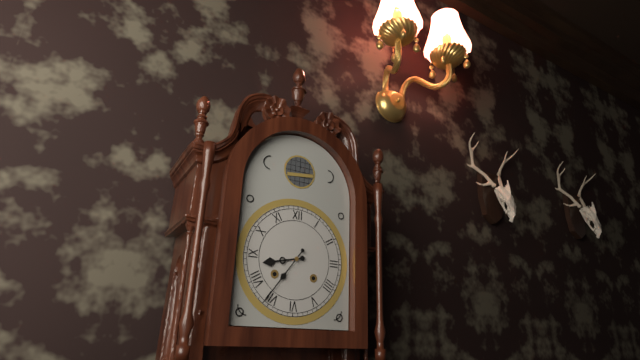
8h36
